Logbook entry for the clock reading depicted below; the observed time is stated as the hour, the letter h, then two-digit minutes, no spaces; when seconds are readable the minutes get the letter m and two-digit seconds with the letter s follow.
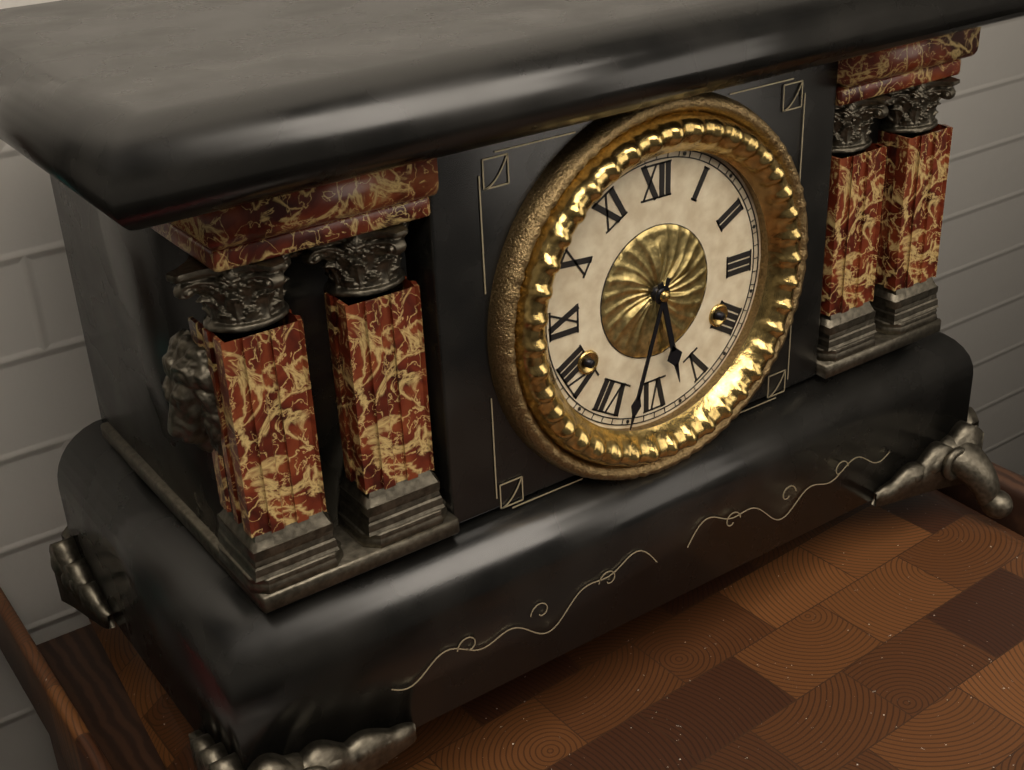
5h33
